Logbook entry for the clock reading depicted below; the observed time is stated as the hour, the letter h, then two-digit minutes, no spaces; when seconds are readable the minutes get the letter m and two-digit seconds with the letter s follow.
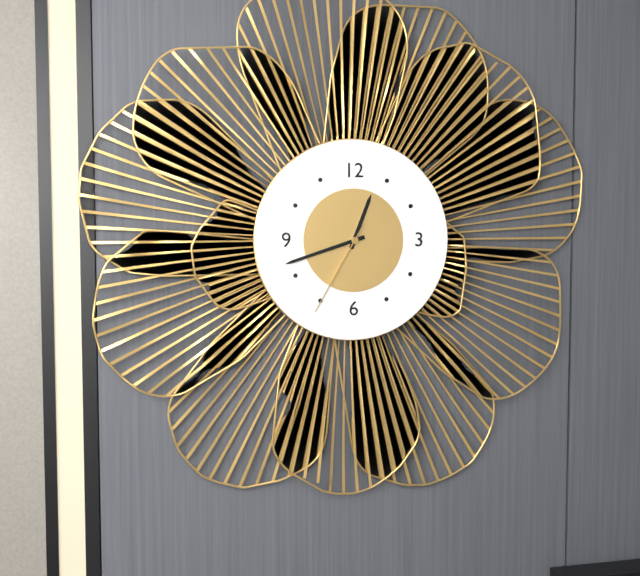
12h42m35s
